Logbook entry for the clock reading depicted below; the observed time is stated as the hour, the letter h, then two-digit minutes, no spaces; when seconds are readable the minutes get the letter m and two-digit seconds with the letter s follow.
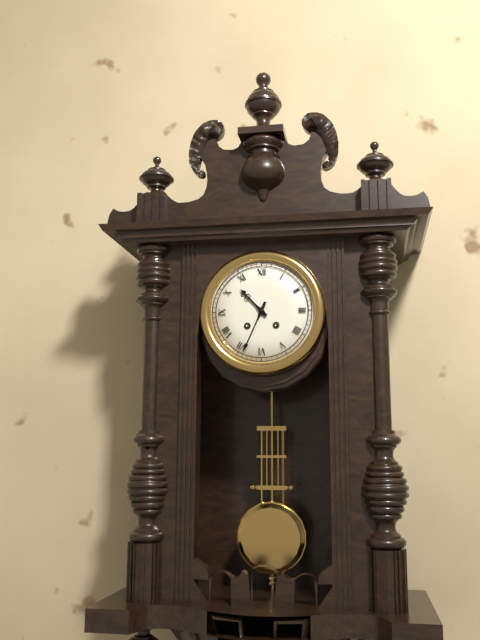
10h34
